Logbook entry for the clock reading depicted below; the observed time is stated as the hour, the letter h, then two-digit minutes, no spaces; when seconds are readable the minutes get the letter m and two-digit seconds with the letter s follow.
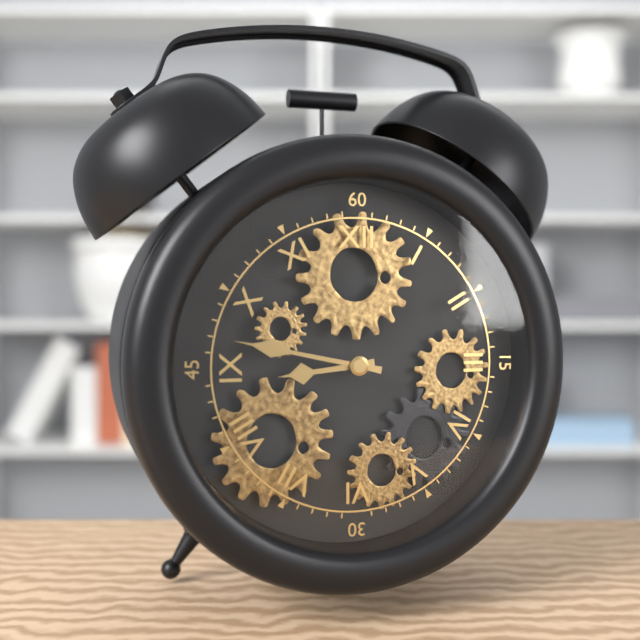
8h47
